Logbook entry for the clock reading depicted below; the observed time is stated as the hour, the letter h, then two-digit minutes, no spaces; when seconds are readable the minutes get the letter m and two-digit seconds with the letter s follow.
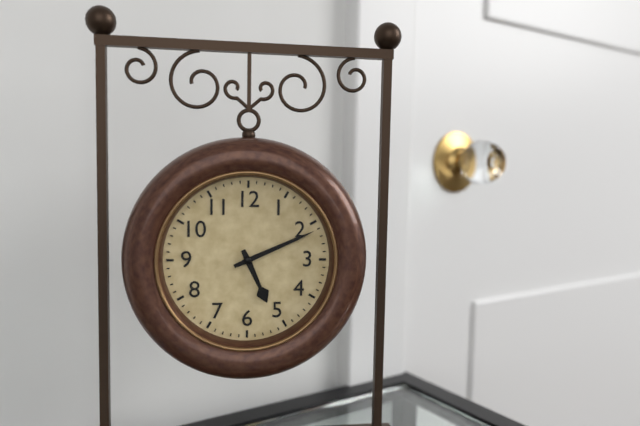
5h11
